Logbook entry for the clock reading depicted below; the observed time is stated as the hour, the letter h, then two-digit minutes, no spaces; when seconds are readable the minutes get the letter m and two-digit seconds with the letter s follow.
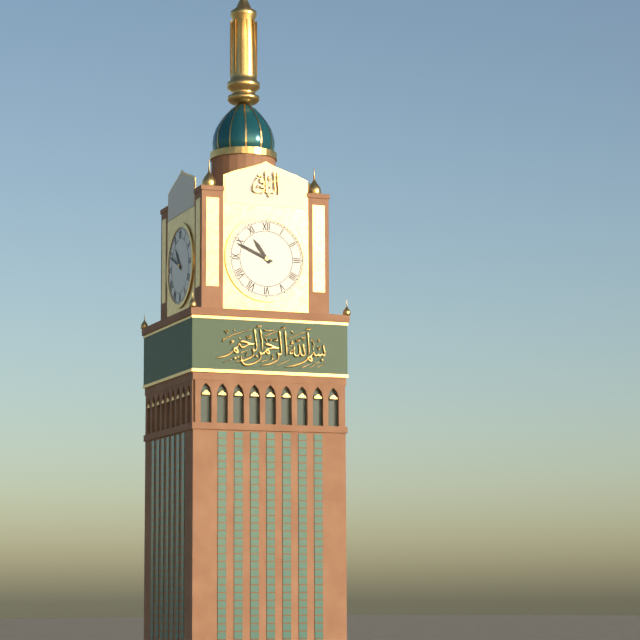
10h49
